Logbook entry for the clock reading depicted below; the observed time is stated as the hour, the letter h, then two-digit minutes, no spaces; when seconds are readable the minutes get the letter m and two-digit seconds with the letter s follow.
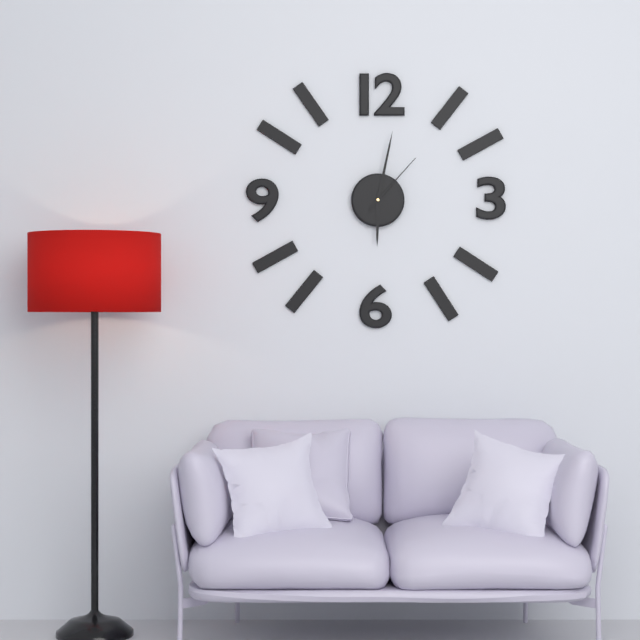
6h02m07s
